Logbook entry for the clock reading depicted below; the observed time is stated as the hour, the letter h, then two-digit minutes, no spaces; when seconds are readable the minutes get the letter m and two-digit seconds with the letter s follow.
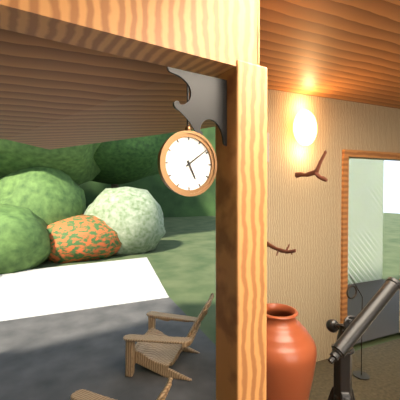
5h09
